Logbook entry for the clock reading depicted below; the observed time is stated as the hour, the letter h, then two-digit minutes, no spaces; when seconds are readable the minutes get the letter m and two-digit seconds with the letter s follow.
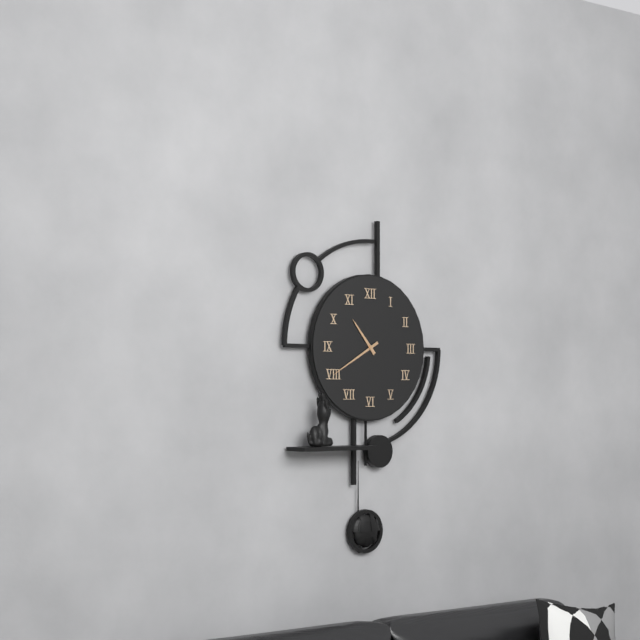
10h40
